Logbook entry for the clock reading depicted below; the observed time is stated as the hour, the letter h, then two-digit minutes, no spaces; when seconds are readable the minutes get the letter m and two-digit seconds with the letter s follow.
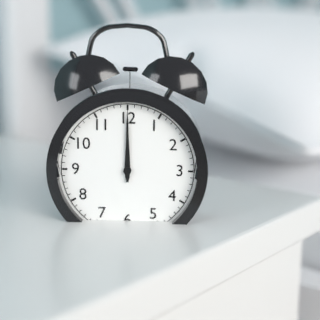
12h00
